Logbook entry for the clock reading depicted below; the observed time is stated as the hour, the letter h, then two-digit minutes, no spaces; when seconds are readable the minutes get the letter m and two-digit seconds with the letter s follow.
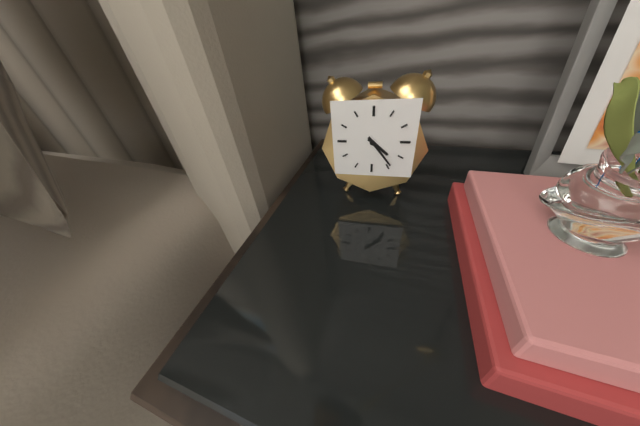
4h24
